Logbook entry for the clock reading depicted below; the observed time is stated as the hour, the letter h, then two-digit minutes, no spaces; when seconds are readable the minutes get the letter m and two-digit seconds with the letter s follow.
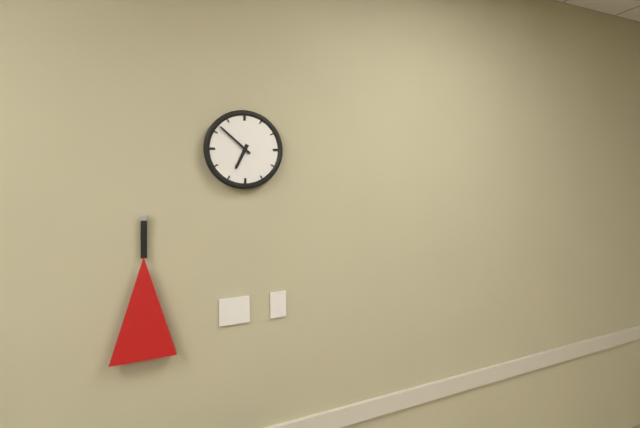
6h52
